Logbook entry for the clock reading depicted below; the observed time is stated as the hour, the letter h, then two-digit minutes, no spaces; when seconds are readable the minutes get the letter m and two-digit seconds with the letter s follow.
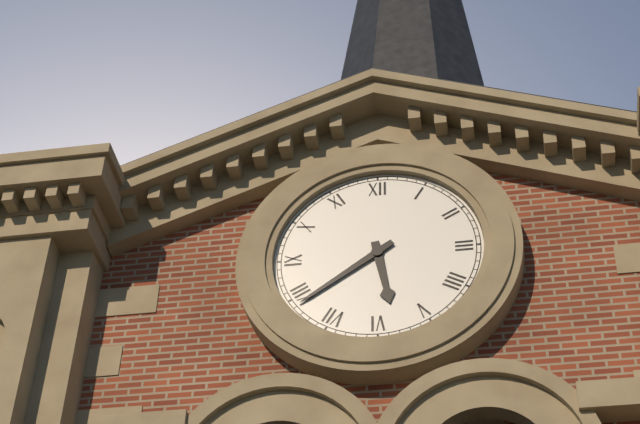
5h39
